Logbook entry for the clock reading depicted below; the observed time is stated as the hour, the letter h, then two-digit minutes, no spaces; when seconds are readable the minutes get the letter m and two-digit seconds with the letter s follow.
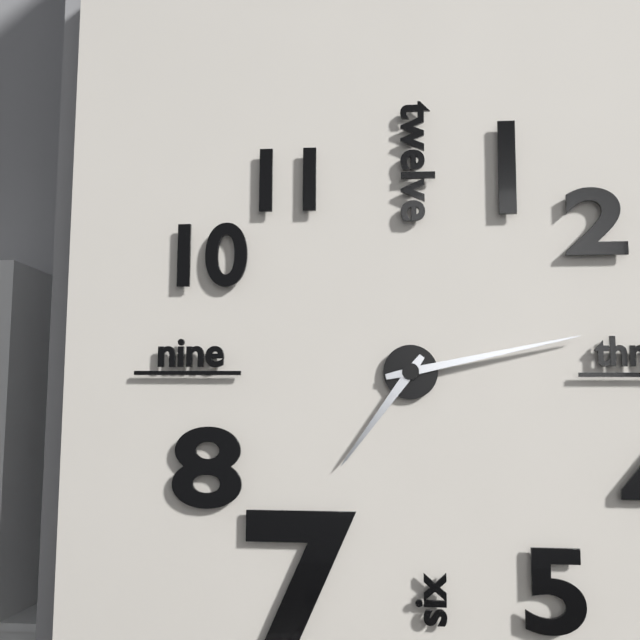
7h13
